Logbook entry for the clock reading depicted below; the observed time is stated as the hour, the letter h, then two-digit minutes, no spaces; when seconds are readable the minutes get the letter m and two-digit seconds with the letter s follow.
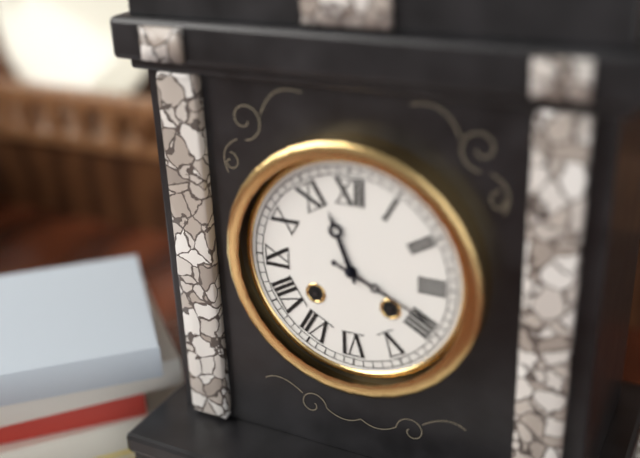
11h19
